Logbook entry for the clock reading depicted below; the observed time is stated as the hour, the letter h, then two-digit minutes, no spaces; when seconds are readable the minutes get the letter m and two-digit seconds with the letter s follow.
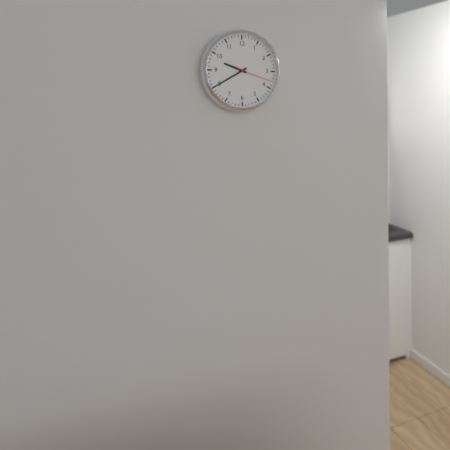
9h40
